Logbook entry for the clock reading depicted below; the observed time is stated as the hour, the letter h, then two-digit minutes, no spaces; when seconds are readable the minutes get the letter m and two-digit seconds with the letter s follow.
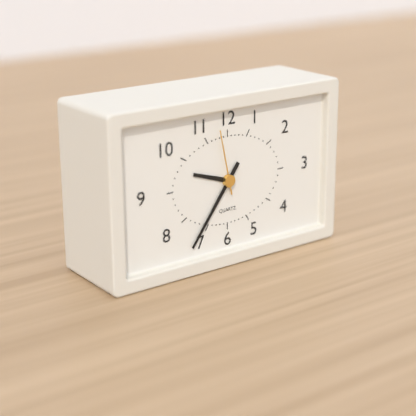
9h36m58s
